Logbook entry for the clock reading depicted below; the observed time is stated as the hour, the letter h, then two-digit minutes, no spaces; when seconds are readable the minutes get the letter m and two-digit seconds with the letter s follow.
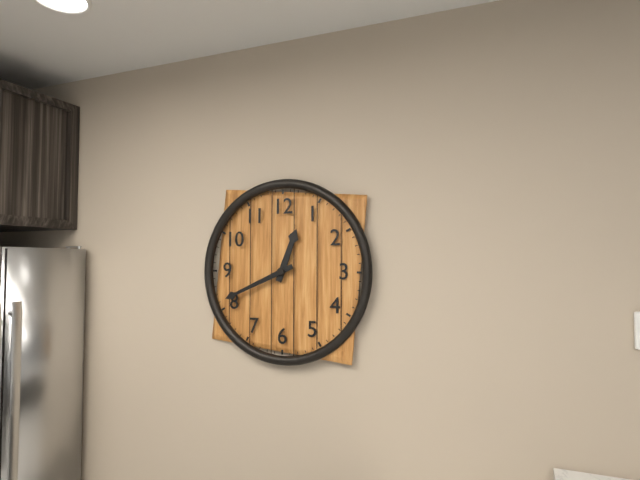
12h41
